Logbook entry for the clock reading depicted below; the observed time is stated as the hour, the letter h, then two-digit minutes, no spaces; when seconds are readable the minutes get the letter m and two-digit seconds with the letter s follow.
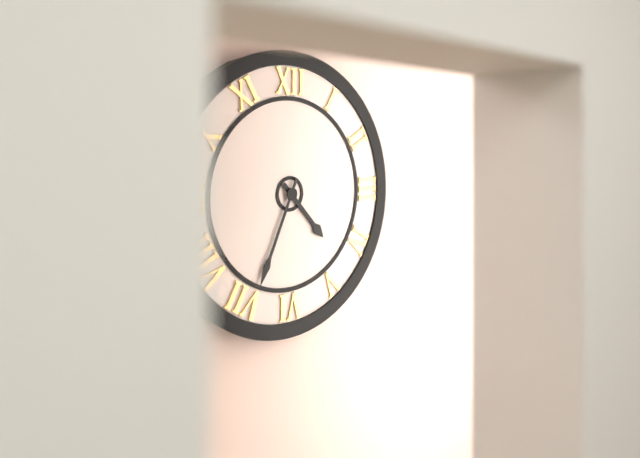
4h34
